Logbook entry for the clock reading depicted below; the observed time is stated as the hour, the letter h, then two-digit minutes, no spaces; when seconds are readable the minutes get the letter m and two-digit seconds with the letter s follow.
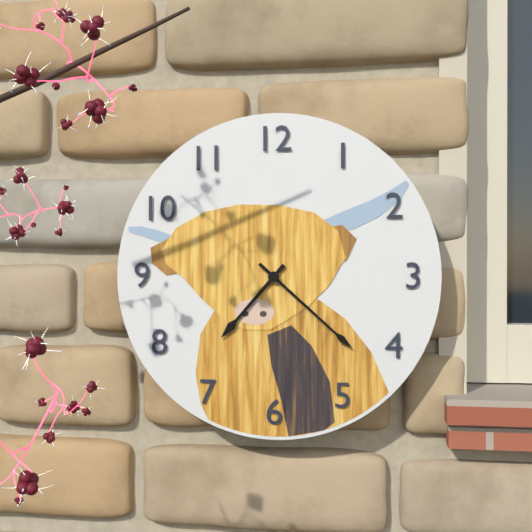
7h22
